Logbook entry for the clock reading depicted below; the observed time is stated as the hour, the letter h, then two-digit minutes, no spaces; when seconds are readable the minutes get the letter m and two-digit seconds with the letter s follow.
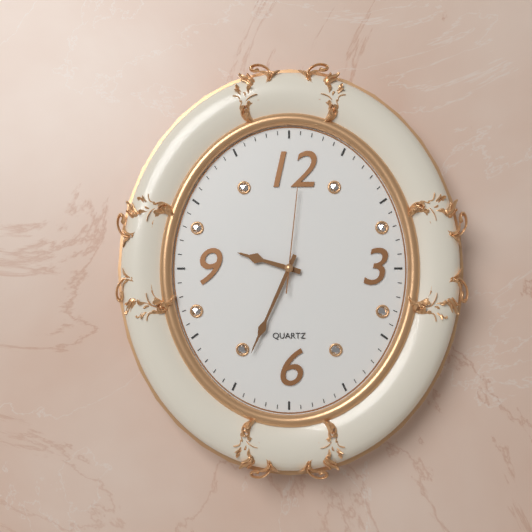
9h34m01s
